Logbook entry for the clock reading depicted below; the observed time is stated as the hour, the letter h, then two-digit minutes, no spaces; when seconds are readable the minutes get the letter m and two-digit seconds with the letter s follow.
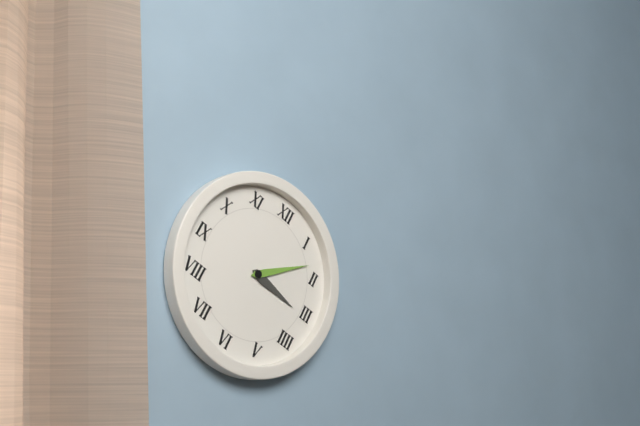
3h08
